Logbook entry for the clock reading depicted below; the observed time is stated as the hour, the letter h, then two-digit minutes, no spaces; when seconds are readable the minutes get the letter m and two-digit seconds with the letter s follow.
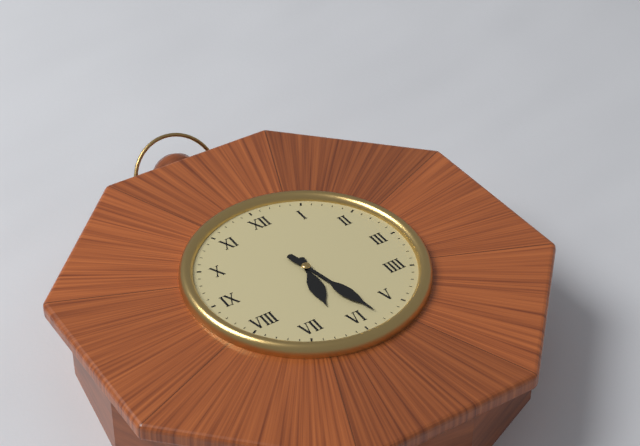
6h28
